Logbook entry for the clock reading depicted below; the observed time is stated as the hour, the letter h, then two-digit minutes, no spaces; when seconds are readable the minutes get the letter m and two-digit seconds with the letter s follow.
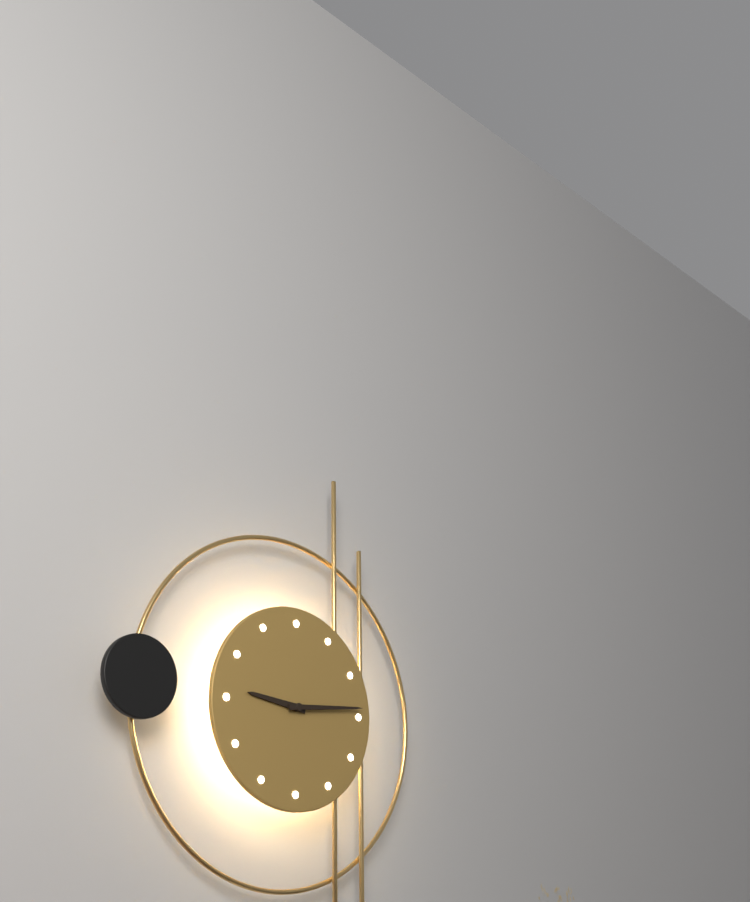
9h14
